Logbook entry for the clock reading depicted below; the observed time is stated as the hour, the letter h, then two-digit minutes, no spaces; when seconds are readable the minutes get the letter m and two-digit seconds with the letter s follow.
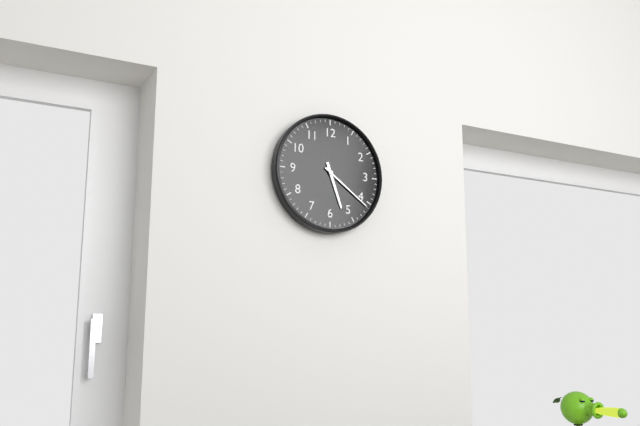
5h21
